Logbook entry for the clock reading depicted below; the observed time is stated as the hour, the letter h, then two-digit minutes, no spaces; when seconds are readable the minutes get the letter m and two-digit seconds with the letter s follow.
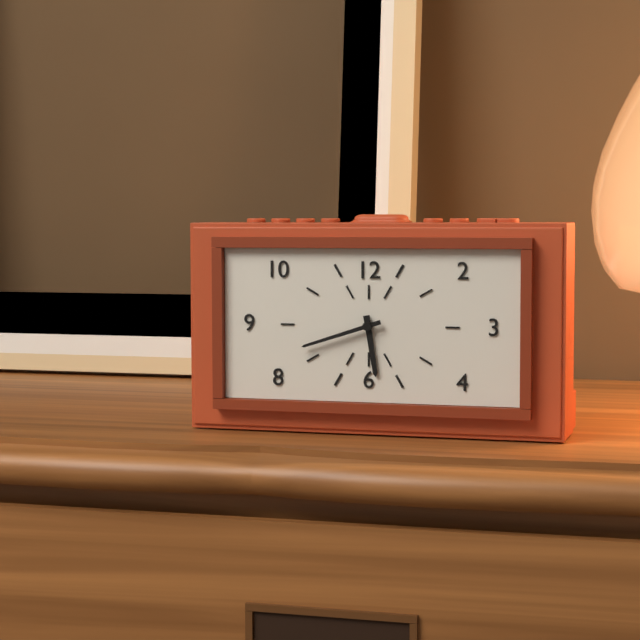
5h42
